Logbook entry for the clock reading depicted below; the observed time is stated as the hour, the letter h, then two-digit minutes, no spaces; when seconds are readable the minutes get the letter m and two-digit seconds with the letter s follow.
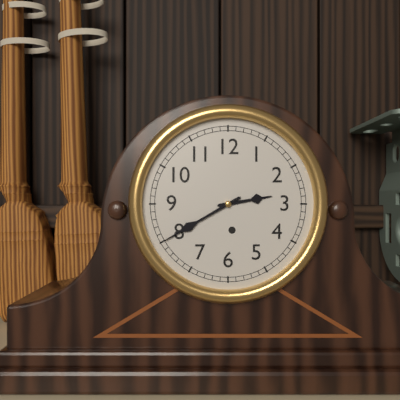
2h40
